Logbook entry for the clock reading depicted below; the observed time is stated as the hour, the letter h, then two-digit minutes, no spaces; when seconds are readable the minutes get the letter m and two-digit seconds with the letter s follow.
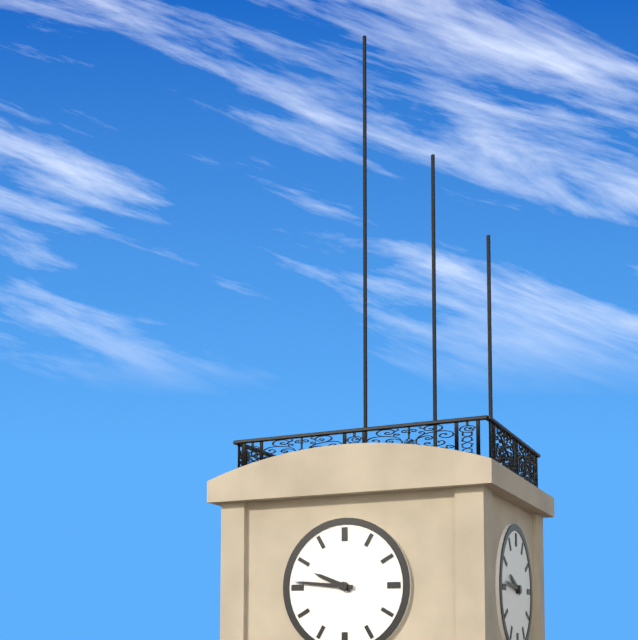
9h46
